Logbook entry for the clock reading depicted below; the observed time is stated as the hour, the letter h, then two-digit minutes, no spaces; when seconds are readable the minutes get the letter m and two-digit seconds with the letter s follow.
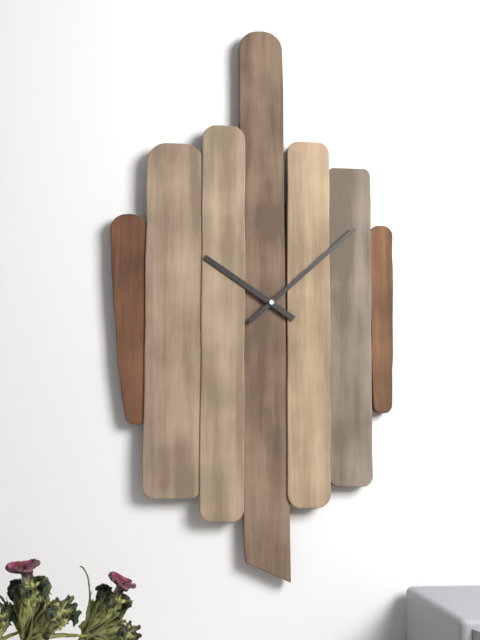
10h08
